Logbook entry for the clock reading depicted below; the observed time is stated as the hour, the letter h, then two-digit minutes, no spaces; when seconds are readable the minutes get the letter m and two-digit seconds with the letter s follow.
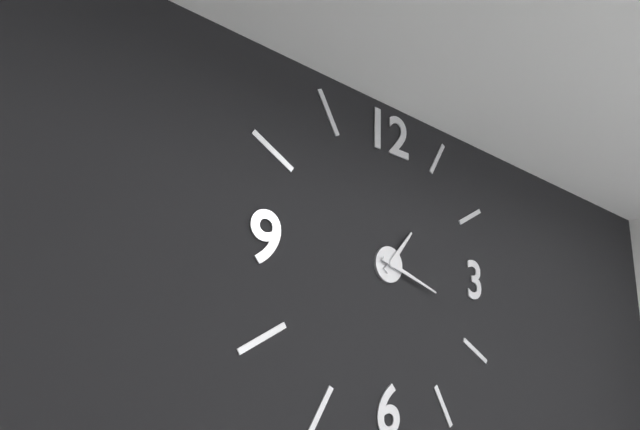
1h18
